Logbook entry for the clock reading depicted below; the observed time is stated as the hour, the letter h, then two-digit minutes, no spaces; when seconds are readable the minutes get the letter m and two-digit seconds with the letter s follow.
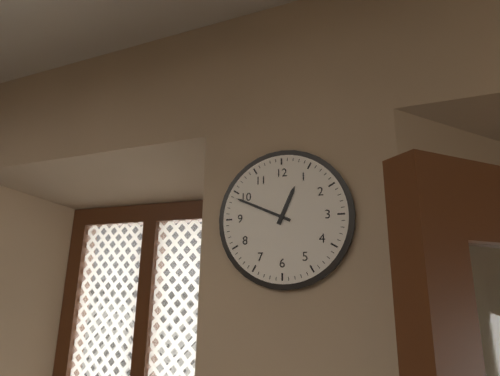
12h49
